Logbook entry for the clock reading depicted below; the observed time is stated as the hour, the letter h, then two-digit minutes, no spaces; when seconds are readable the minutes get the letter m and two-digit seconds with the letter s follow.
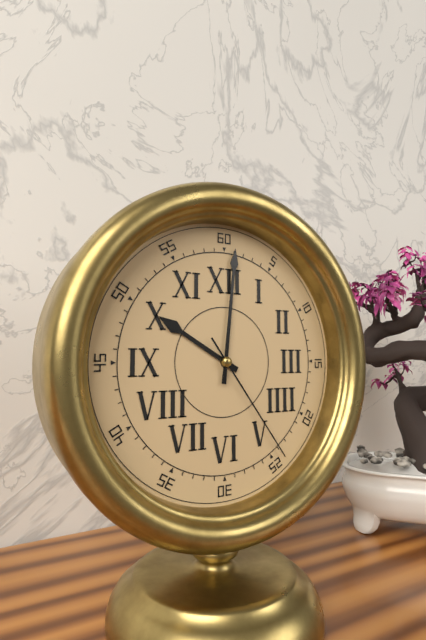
10h01m24s
